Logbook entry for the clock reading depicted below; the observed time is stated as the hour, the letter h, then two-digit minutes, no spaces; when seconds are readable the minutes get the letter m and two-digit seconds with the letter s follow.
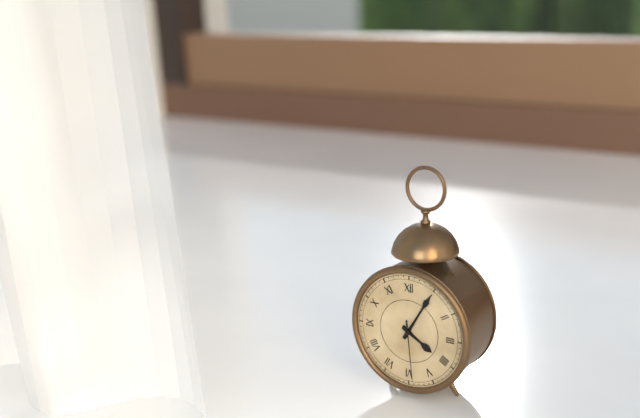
4h05m29s
